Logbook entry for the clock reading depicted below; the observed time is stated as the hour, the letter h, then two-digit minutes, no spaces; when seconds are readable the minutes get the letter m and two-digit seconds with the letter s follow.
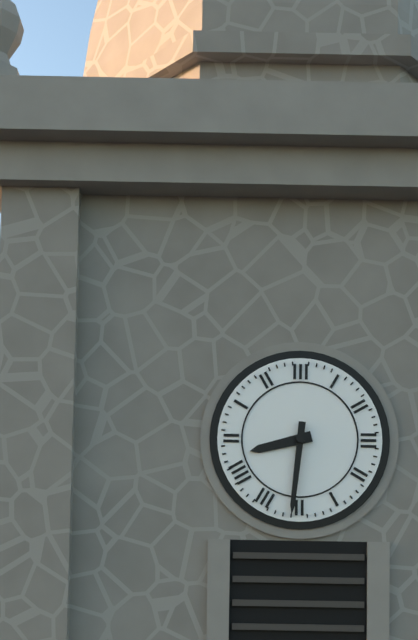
8h31
